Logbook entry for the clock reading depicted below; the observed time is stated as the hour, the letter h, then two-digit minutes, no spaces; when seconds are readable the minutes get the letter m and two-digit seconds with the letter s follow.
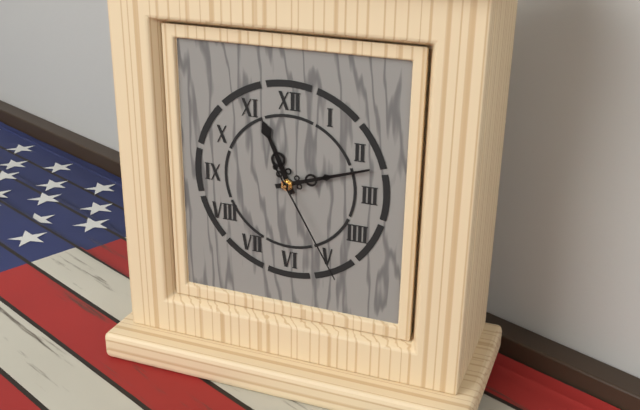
11h12m25s
